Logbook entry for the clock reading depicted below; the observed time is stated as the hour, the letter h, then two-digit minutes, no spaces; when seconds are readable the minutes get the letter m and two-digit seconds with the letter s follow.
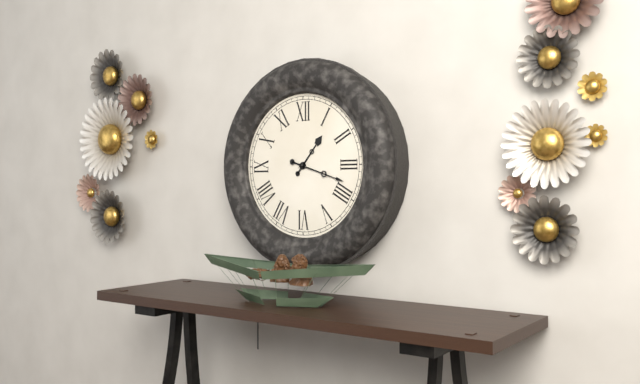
1h18
